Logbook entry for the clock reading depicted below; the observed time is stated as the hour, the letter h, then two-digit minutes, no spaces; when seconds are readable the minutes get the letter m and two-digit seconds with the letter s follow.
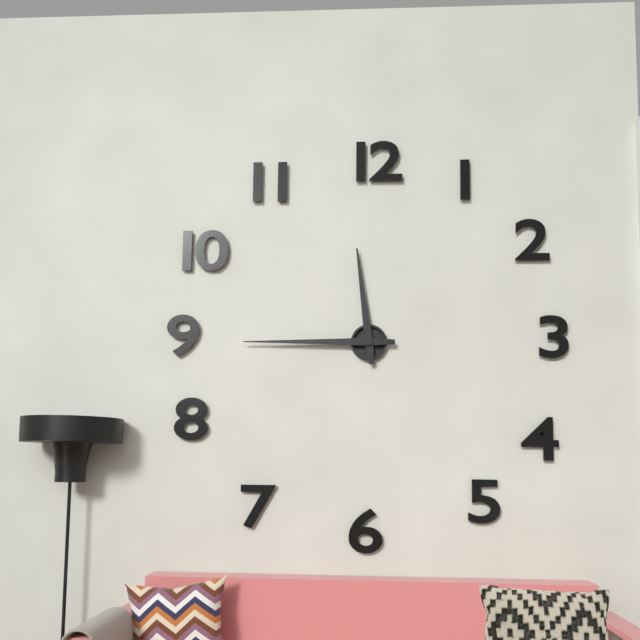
11h45
